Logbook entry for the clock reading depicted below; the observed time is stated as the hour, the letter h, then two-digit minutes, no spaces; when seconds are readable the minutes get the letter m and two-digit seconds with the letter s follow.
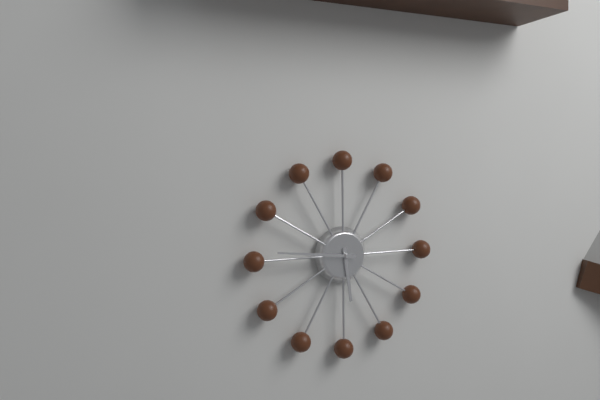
5h46
